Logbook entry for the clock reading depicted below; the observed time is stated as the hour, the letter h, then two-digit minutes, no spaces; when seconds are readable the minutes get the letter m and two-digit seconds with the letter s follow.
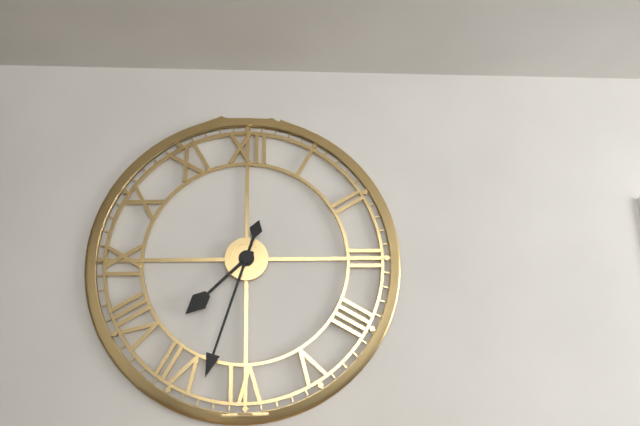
7h33
